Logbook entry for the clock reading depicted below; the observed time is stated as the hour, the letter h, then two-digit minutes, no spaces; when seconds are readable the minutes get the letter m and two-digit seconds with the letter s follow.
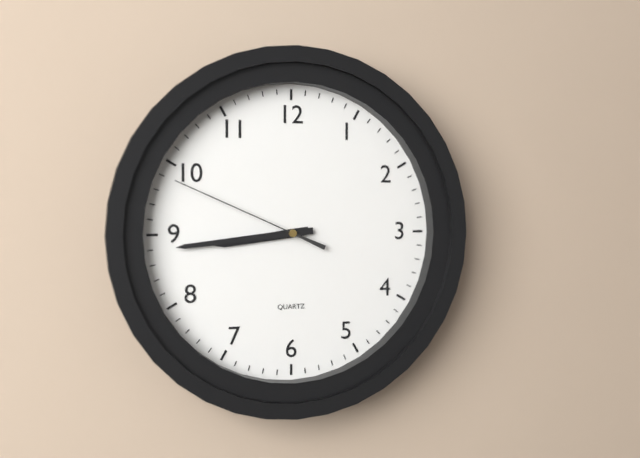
8h44m49s
